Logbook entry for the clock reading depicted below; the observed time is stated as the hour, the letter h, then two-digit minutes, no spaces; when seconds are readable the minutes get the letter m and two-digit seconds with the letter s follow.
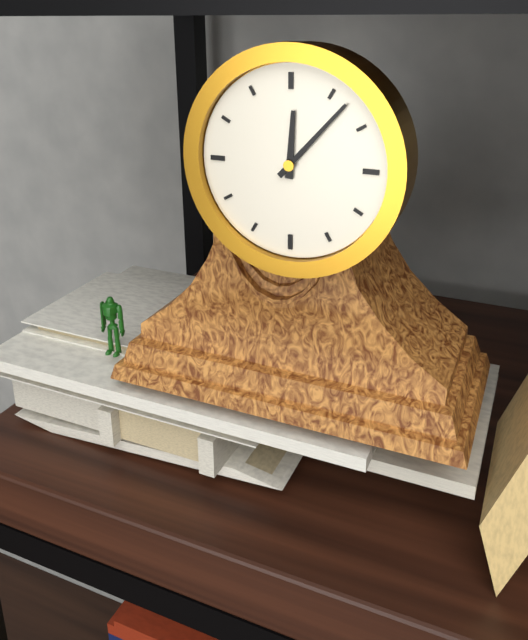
12h07
